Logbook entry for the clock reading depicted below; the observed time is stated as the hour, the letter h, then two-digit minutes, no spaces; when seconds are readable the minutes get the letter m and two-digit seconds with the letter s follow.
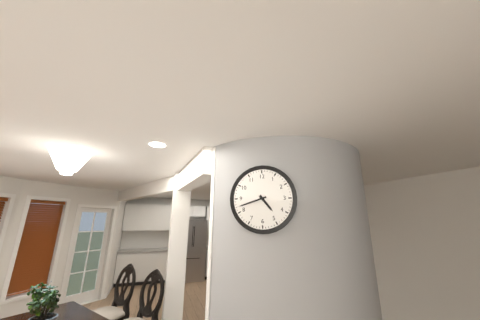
4h42
